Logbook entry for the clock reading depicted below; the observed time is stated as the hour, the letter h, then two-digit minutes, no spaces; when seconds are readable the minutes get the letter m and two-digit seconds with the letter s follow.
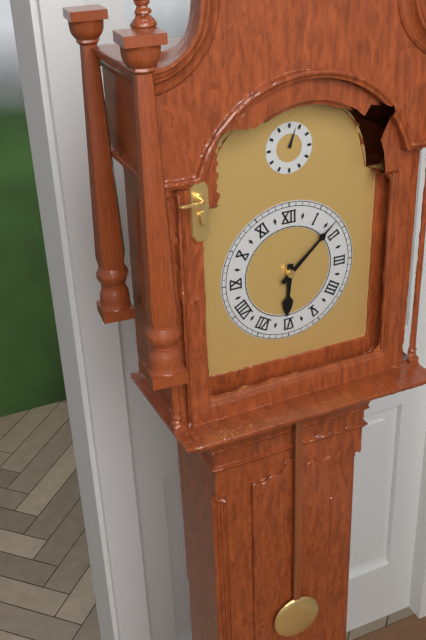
6h08
